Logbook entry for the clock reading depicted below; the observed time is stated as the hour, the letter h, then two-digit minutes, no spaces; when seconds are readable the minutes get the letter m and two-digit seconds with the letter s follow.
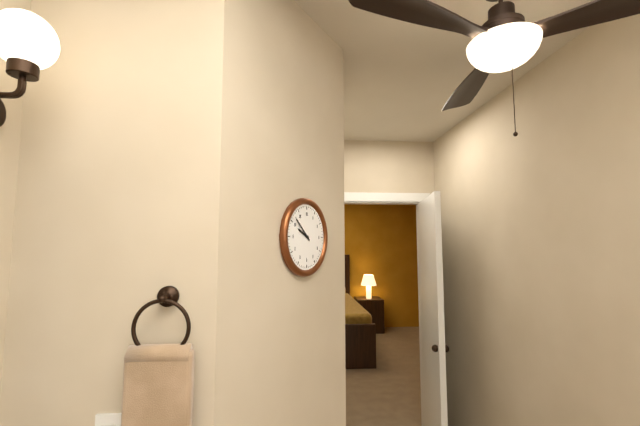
9h52
